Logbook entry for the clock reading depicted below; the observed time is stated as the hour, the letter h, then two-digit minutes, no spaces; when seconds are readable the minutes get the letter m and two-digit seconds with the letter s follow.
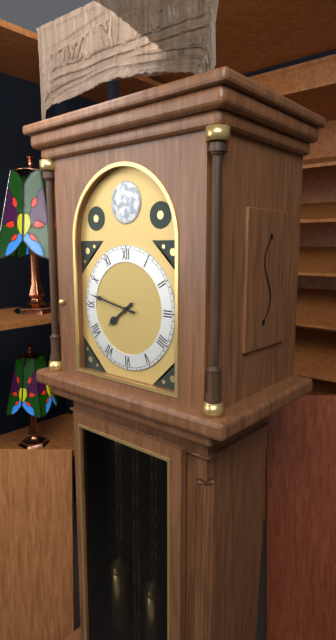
7h47
